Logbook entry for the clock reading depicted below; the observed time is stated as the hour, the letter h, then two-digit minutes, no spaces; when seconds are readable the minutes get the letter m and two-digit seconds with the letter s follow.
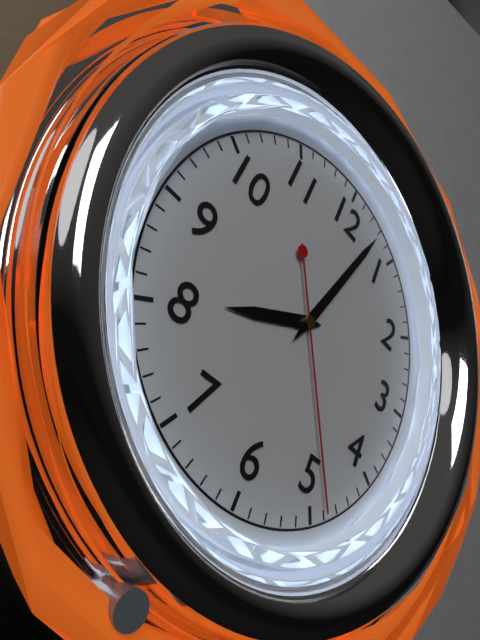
8h03m24s
